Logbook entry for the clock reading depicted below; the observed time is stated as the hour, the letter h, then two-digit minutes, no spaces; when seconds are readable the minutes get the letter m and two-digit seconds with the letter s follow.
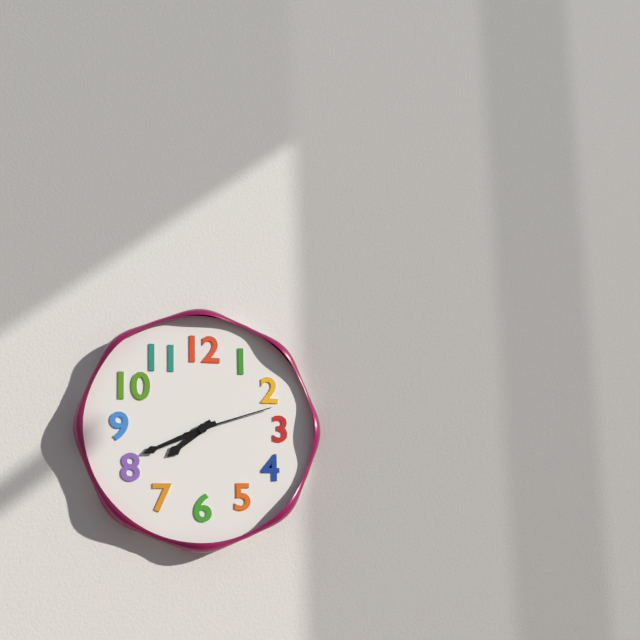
7h41m12s
